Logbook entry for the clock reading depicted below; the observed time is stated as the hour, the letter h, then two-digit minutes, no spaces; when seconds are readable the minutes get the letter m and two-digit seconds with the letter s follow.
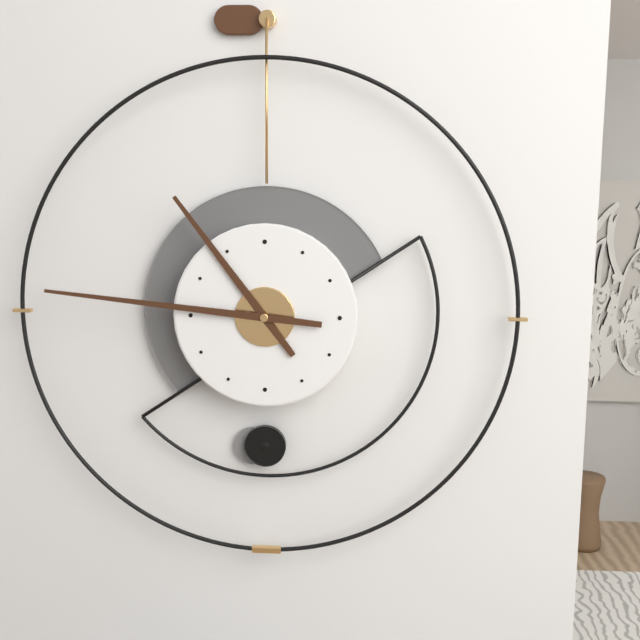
10h46
